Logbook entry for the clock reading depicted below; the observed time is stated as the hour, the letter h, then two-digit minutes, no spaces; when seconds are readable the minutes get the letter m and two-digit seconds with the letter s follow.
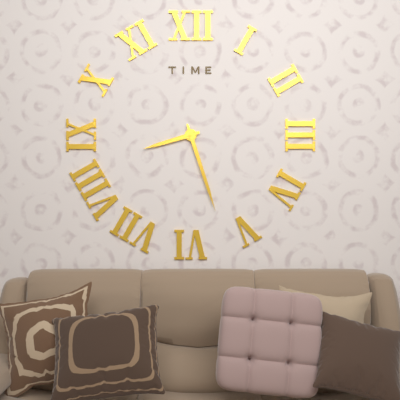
8h27
